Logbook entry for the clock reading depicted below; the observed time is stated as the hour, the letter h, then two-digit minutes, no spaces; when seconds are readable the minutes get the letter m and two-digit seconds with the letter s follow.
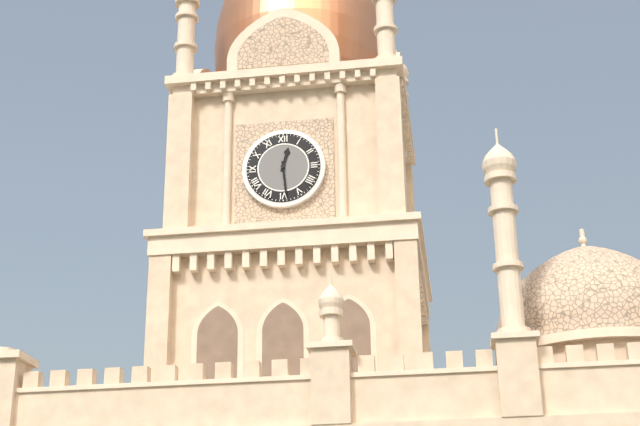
12h29
